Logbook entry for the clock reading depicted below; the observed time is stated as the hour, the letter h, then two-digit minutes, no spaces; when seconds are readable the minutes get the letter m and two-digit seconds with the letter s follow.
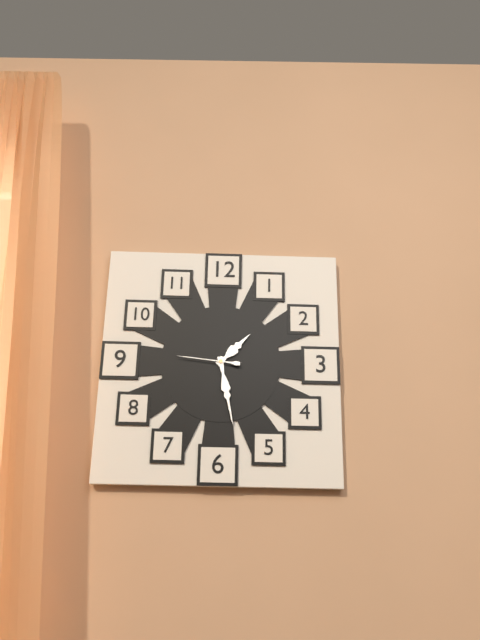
1h28m46s
